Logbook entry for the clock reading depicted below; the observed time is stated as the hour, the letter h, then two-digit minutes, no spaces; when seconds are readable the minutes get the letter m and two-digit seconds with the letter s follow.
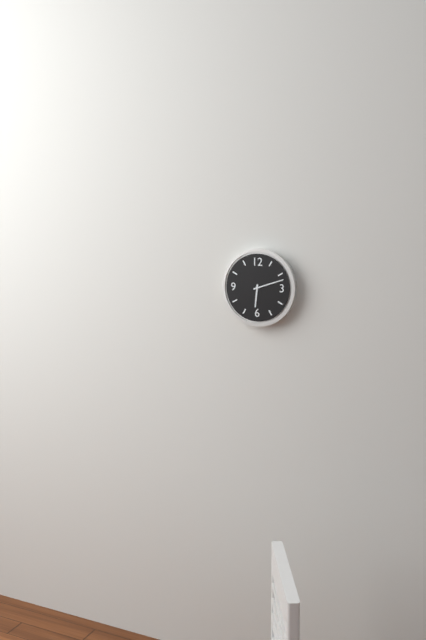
6h12
